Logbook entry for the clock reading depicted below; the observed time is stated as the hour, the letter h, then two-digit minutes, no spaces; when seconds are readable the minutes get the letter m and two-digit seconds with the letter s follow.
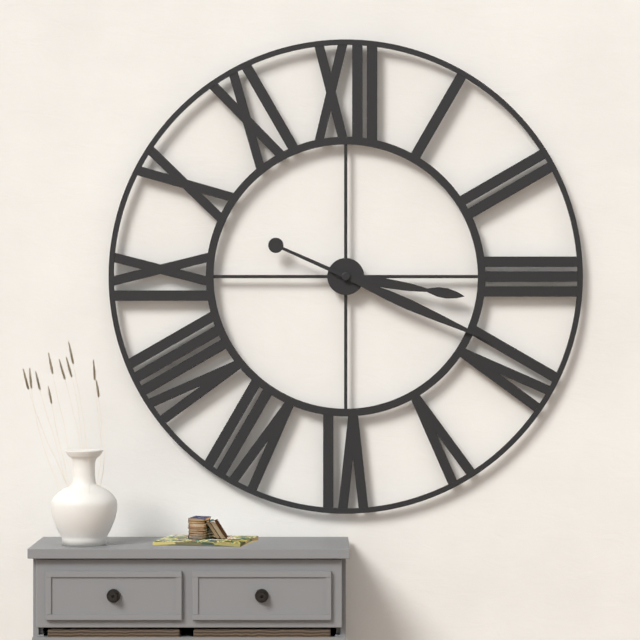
3h19
